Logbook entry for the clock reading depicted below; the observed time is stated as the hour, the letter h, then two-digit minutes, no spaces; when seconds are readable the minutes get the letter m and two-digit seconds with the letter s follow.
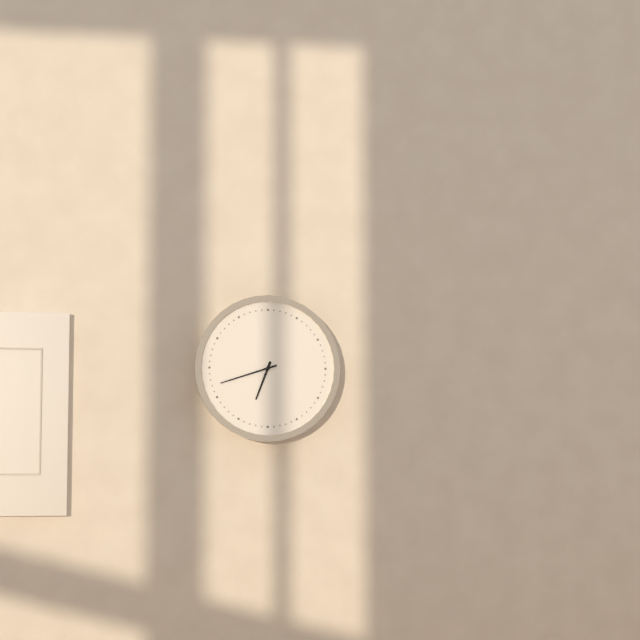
6h42
